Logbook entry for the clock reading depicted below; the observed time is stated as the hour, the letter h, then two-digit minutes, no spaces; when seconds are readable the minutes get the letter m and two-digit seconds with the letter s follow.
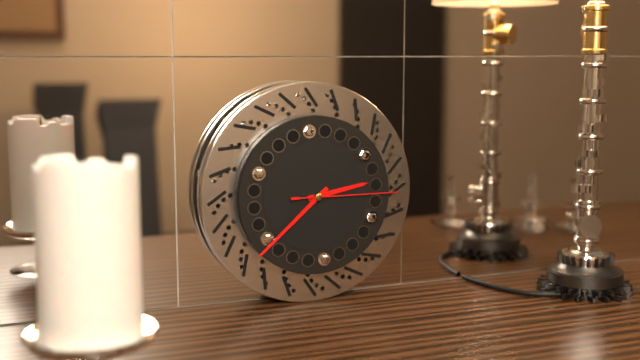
2h38m15s
